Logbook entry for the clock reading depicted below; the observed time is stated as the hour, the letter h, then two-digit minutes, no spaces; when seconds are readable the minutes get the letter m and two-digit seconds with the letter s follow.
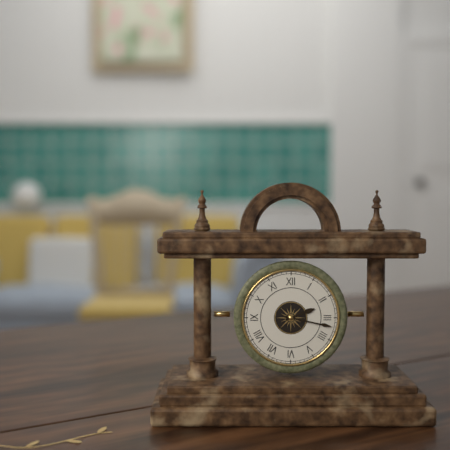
2h17
